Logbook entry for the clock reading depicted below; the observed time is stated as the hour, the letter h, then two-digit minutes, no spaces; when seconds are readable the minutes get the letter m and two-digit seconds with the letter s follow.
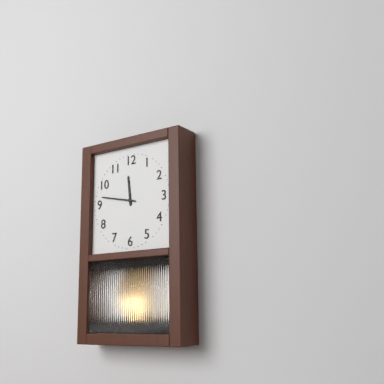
11h47
